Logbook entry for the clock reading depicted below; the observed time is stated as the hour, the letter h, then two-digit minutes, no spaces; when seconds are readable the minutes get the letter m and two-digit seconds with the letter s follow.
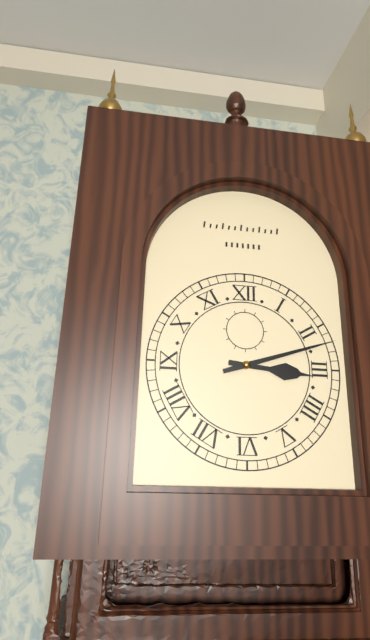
3h12
